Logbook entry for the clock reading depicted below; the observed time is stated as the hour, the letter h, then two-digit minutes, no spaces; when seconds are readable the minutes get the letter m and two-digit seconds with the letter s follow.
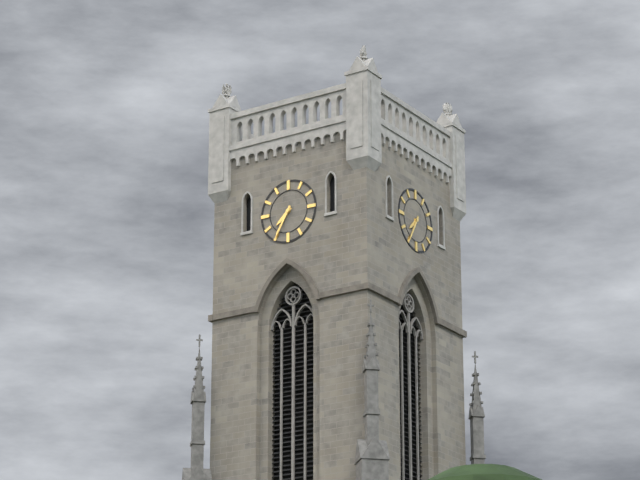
7h35
